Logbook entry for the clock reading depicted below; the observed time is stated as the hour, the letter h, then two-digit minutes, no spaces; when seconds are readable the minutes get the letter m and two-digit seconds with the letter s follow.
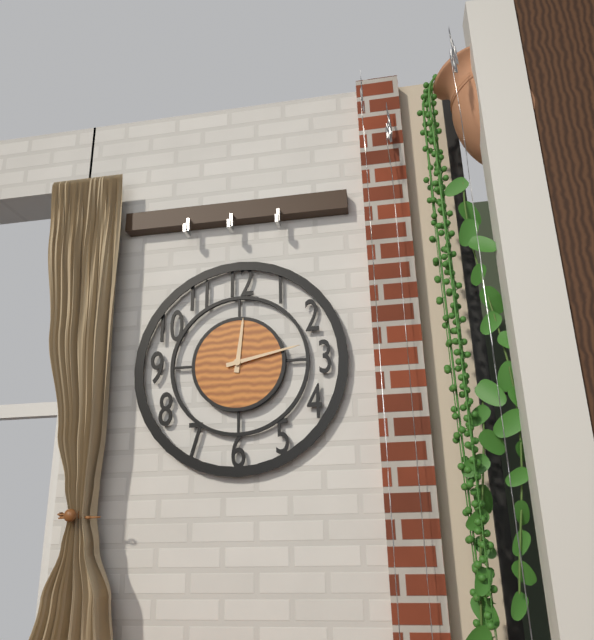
12h13
